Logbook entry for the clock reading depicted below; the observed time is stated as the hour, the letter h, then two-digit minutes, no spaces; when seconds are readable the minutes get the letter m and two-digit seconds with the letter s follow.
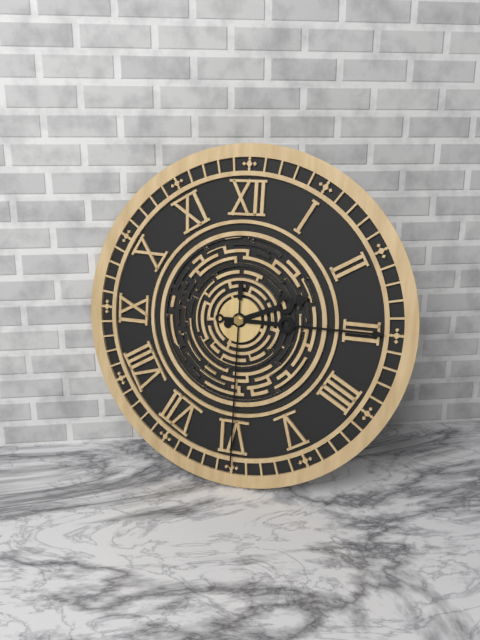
2h15m30s
